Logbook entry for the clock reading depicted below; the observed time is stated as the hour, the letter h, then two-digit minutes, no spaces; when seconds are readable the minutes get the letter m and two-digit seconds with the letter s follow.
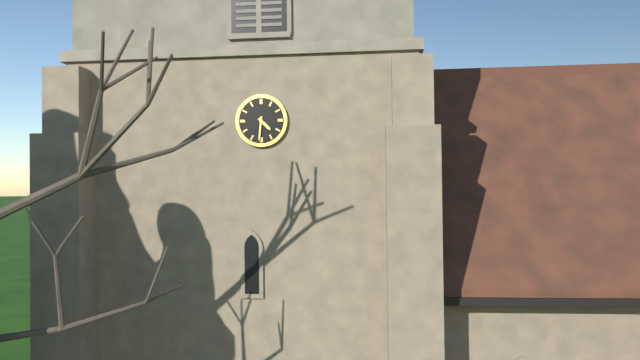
4h31
